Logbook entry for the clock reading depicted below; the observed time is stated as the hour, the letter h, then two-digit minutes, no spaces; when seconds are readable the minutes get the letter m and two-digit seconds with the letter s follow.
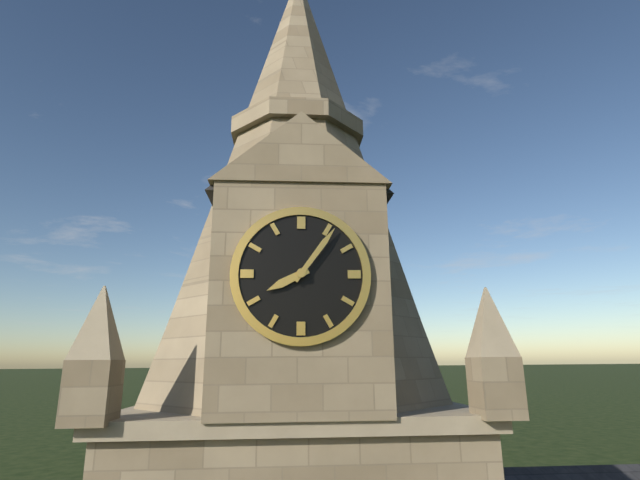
8h06
